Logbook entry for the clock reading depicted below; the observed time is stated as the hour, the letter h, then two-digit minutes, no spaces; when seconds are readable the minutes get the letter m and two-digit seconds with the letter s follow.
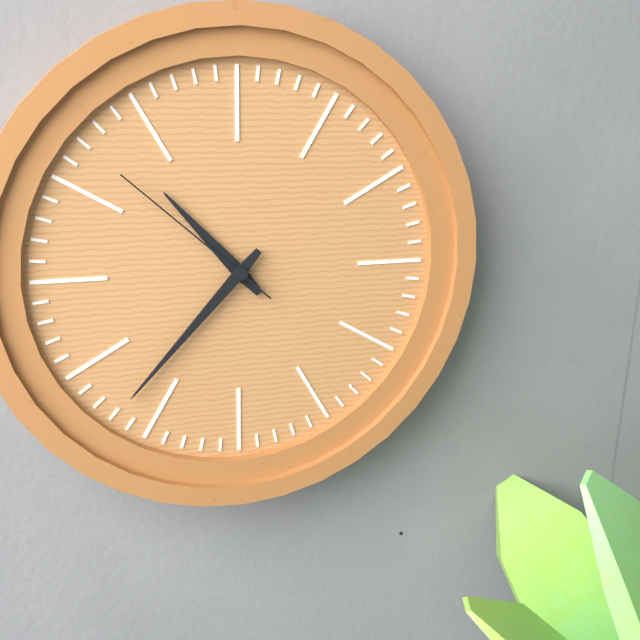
10h37m52s
